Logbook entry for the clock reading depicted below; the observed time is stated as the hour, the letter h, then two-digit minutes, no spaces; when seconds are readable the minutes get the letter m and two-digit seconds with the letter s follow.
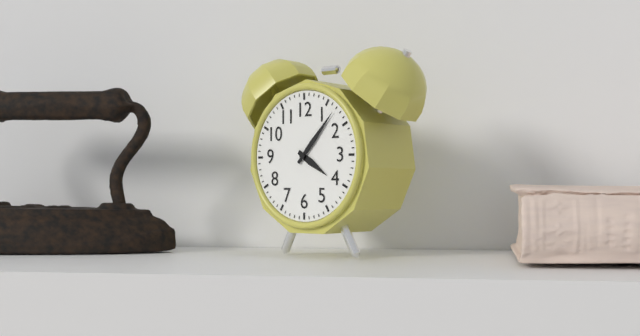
4h07
